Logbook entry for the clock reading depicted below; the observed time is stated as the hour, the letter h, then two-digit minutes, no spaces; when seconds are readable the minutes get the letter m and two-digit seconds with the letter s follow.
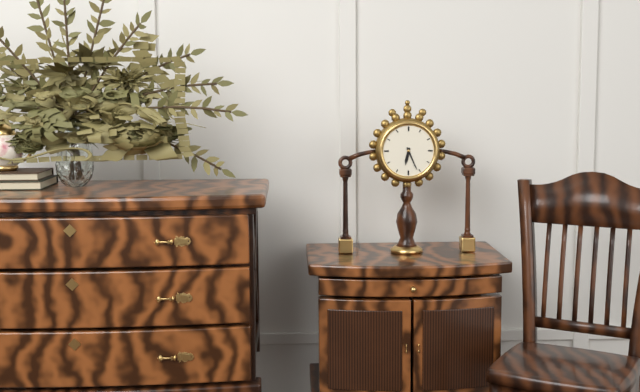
6h26
